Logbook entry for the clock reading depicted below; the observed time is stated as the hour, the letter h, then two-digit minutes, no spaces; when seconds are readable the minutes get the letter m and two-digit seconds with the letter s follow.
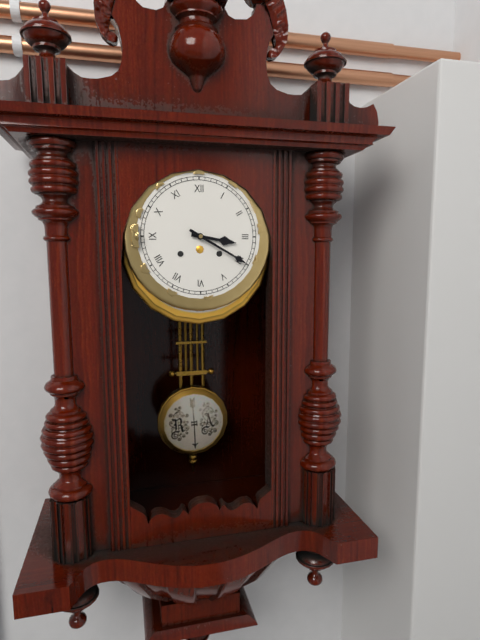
3h20
